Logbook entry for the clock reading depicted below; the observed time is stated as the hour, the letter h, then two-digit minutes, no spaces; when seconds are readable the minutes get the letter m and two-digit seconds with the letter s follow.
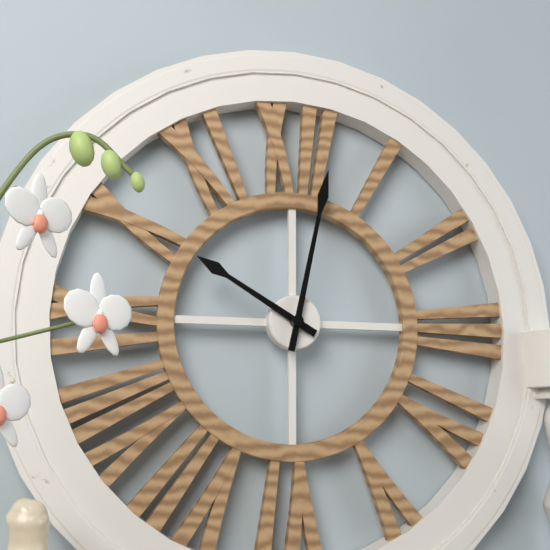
10h02
